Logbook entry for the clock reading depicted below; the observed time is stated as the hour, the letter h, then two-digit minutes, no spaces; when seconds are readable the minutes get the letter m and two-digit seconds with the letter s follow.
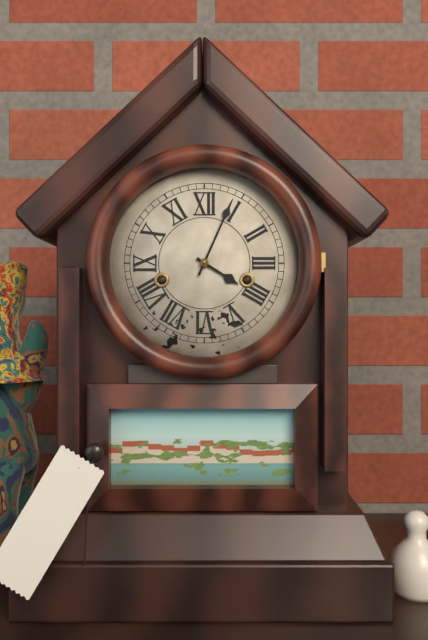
4h04
